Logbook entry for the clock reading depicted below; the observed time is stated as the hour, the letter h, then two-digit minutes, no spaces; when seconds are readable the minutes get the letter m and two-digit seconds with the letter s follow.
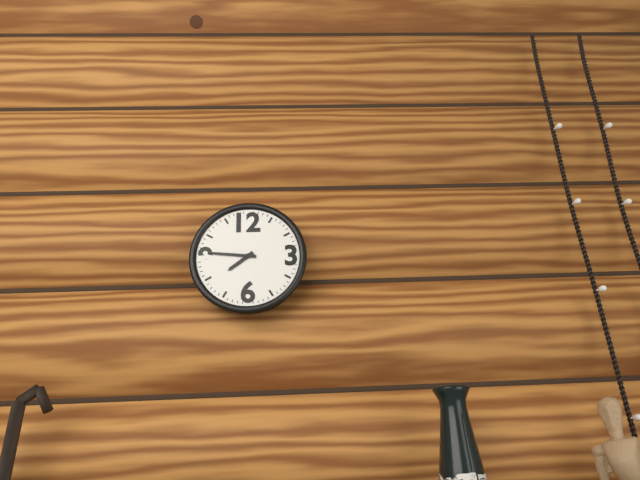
7h46
